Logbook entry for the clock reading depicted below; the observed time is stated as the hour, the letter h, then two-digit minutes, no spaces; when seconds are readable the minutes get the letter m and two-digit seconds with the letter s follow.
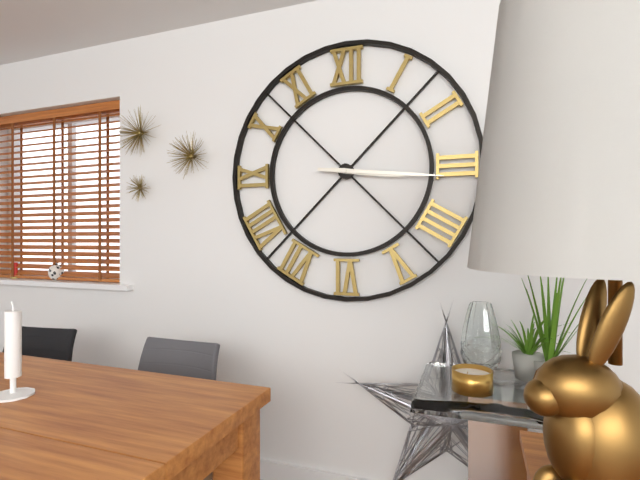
3h16
